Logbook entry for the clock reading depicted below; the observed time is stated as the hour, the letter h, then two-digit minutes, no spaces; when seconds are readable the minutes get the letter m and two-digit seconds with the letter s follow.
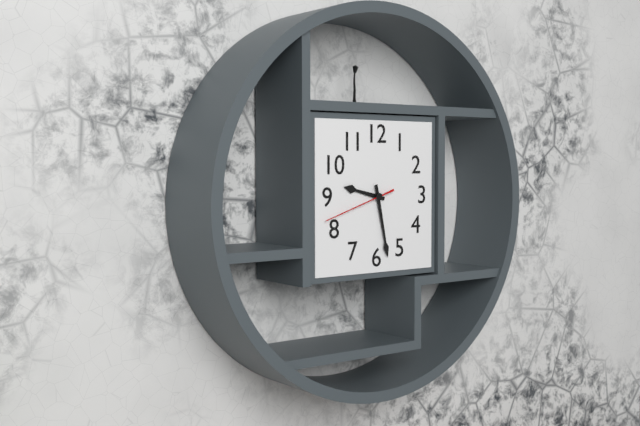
9h28m42s
